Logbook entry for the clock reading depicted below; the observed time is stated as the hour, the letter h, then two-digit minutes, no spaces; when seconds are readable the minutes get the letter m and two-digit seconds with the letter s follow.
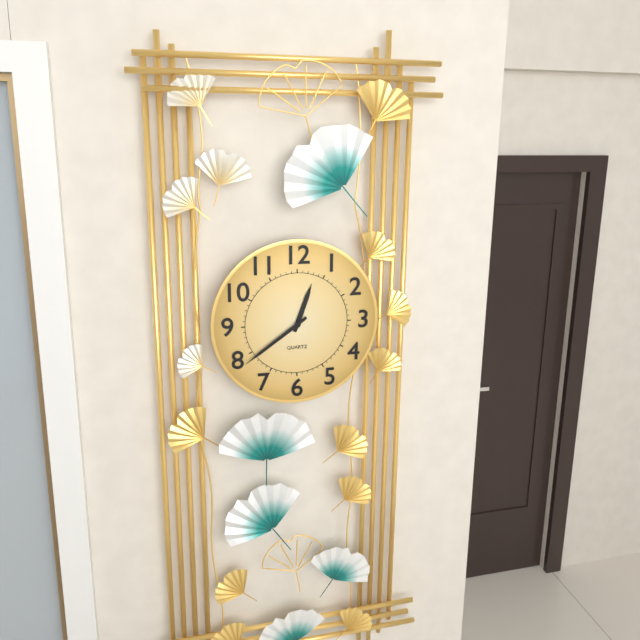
12h39
